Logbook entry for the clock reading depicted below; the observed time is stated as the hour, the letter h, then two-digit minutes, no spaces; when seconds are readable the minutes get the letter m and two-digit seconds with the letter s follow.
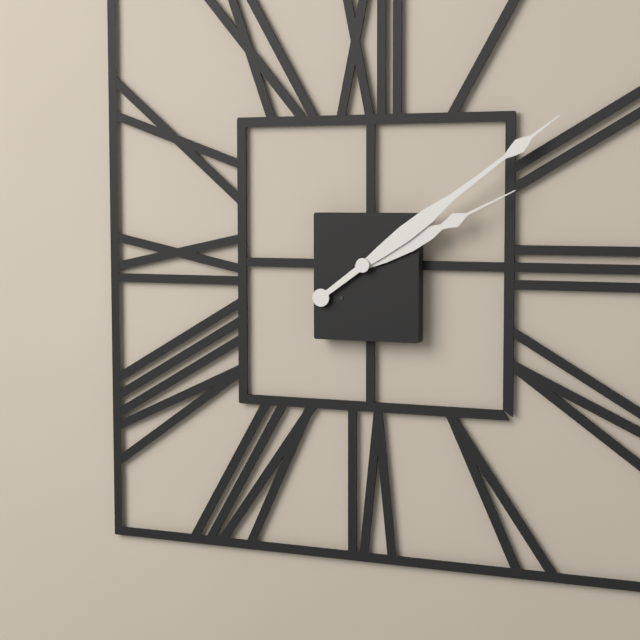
2h09
